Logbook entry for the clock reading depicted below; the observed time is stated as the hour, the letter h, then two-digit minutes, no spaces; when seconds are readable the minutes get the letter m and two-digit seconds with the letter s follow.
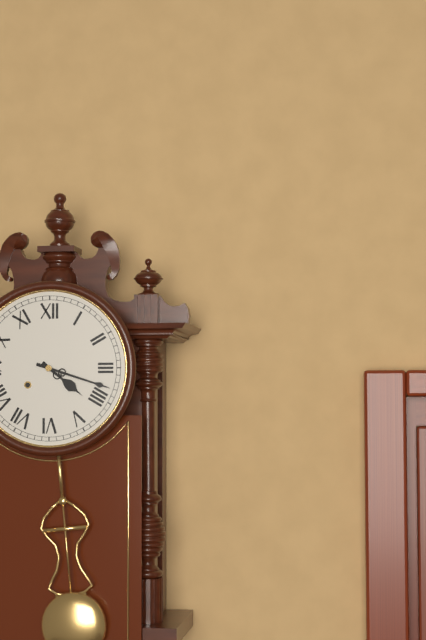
4h18
